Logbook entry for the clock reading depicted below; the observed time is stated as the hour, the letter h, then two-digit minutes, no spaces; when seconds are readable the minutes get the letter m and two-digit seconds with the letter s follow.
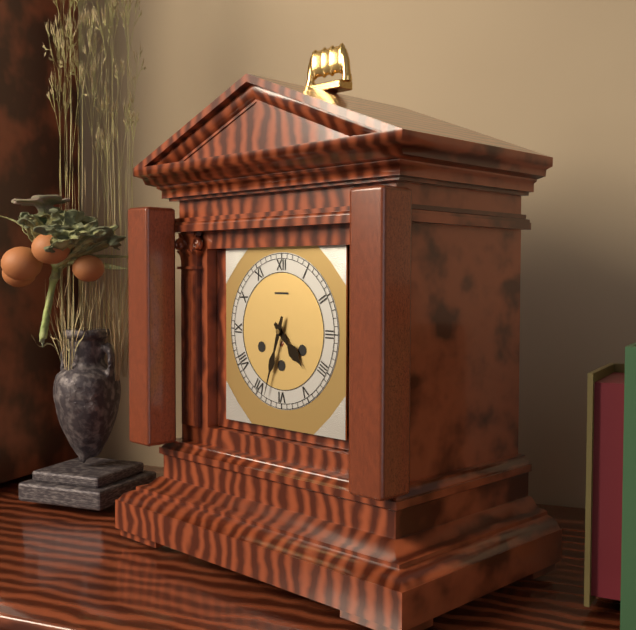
4h33
